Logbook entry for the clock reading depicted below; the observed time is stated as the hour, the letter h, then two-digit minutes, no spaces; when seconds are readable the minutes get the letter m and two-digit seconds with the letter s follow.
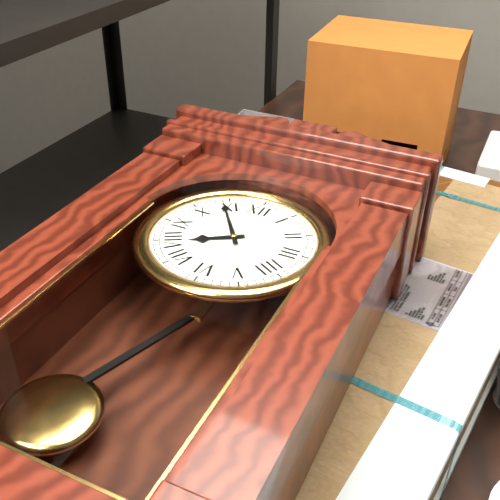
7h54
